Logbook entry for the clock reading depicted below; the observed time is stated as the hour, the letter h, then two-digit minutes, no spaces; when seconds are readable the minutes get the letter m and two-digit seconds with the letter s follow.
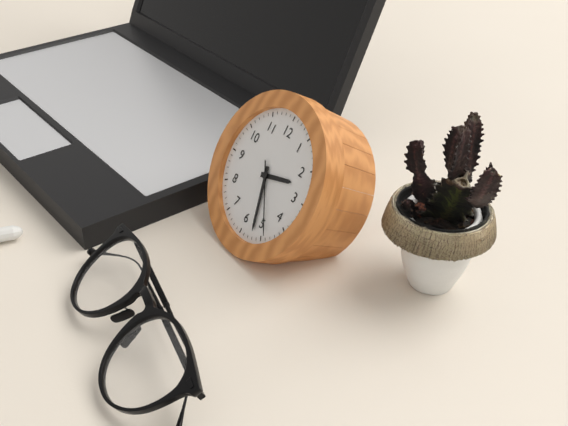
2h27m24s
